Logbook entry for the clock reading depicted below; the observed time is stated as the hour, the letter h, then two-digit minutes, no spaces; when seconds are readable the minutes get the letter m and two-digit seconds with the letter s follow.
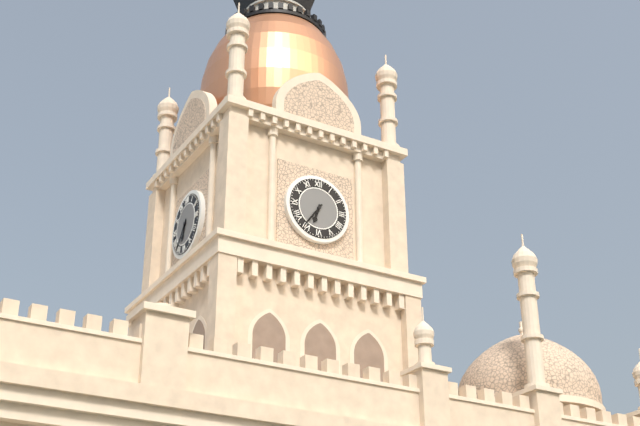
6h36
